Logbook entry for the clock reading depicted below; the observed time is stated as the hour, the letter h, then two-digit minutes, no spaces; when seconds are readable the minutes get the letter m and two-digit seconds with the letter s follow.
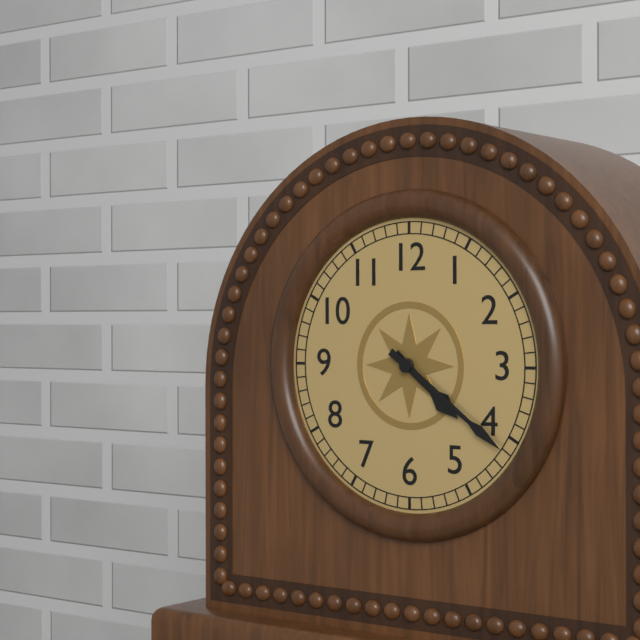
4h21
